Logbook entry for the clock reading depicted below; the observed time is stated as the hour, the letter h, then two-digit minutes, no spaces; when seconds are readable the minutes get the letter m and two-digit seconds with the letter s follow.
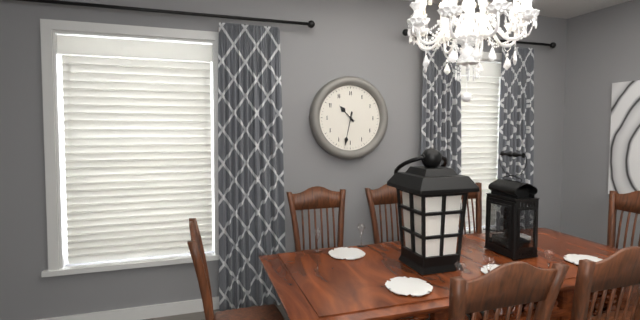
10h32
